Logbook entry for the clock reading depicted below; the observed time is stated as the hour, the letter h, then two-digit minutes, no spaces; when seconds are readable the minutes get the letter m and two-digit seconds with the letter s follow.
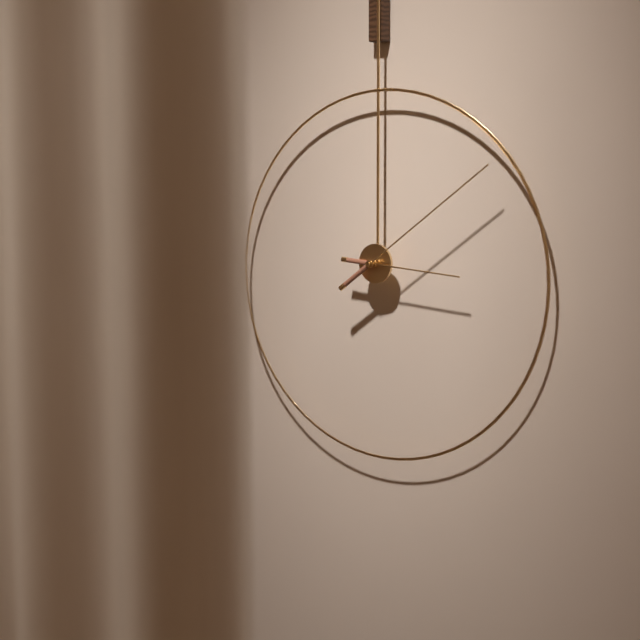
3h09
